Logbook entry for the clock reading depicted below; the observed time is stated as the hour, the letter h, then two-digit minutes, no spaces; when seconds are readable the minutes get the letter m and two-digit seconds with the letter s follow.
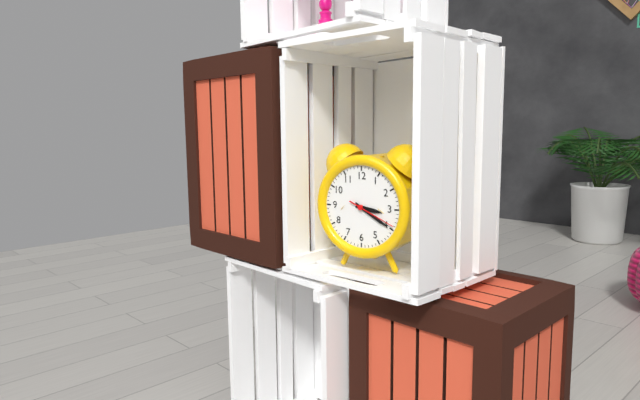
3h20
